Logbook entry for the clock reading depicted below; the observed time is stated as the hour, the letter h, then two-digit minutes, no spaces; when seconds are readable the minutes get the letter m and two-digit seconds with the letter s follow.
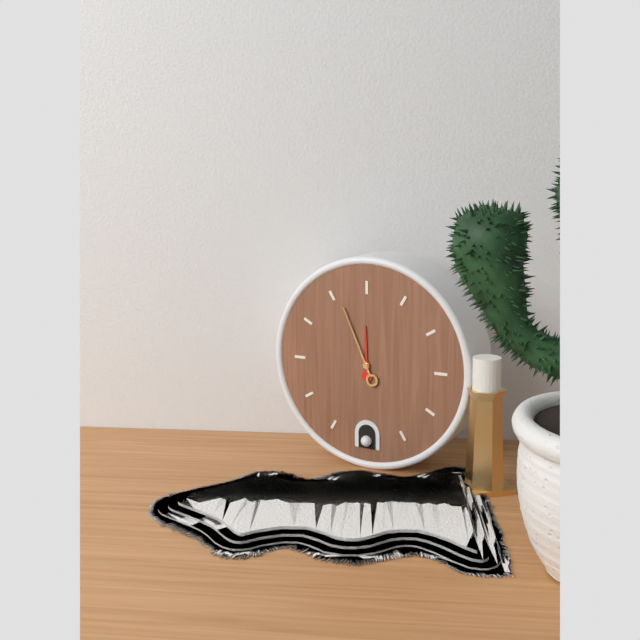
11h56
